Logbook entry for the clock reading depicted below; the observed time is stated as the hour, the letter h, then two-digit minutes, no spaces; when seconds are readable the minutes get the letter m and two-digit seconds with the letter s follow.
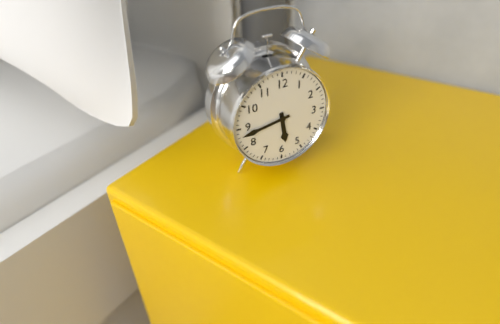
5h43
